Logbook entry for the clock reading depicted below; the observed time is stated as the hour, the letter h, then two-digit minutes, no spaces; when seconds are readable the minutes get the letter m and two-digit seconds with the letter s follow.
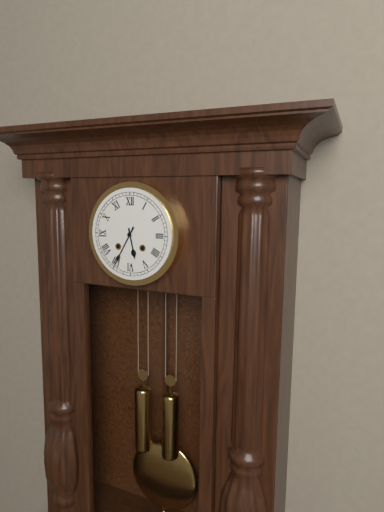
5h35
